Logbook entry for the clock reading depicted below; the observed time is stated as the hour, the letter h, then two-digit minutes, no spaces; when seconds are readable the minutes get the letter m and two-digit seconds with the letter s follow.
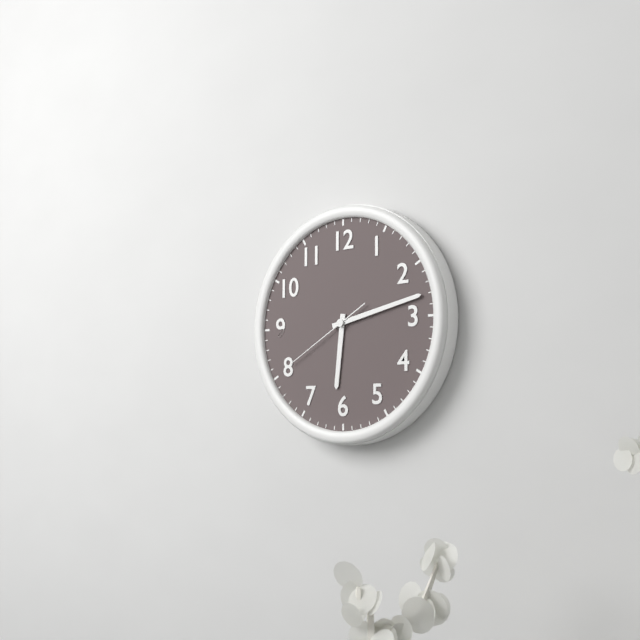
6h13m40s
